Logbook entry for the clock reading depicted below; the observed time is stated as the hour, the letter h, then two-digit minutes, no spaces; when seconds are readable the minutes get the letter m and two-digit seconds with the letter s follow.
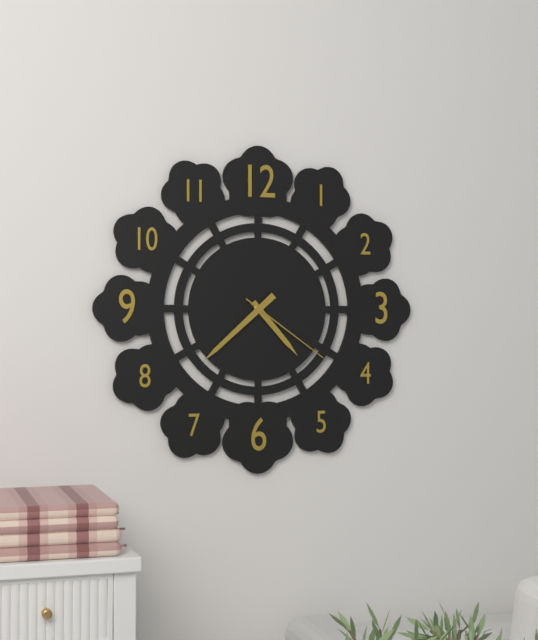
4h38m21s
